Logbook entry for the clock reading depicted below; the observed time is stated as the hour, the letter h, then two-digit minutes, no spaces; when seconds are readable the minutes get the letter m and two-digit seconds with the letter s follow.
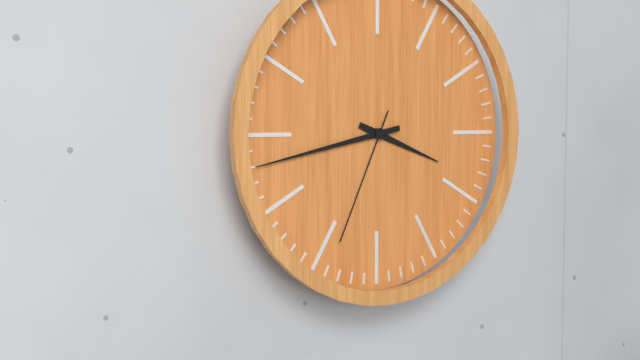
3h43m34s
